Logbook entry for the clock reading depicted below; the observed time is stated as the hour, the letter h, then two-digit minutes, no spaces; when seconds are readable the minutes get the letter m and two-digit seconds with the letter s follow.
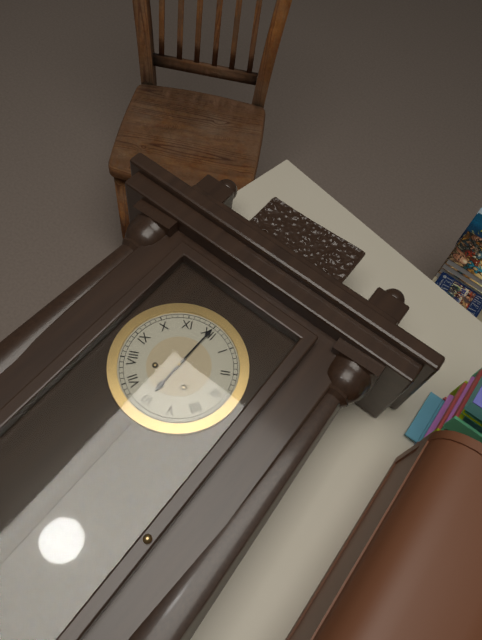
6h00
